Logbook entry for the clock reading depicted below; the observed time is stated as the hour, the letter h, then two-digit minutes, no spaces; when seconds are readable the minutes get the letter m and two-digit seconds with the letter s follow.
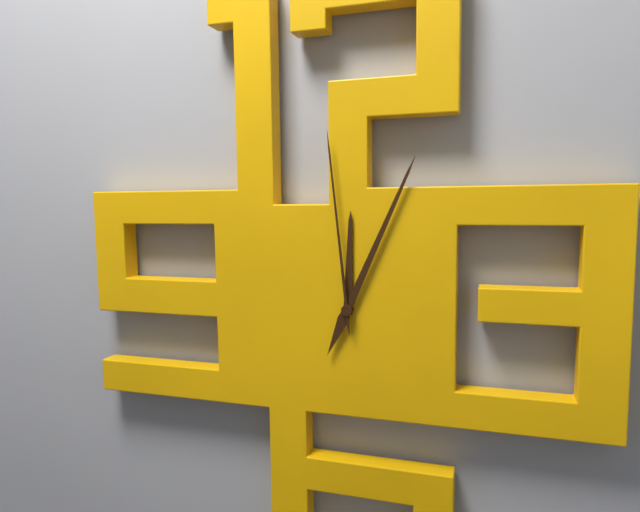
12h04m59s
